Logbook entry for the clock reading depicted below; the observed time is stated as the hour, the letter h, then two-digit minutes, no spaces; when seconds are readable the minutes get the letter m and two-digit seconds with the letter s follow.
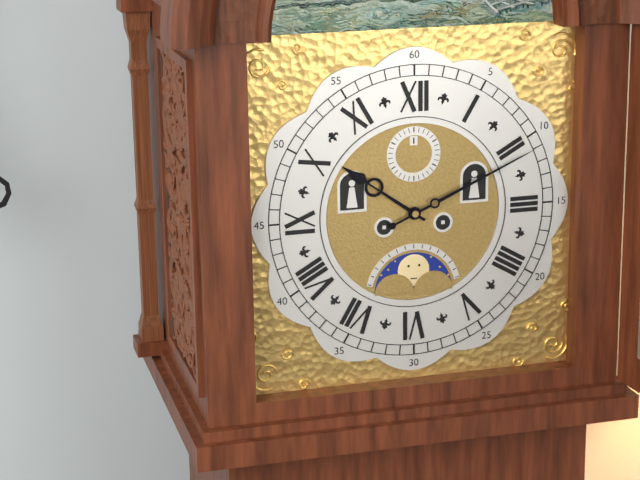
10h11
